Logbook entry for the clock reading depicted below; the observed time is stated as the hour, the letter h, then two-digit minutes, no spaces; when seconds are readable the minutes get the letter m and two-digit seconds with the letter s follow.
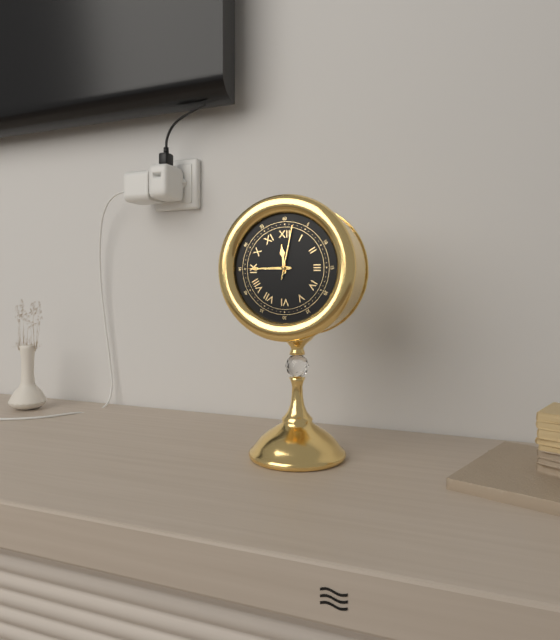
11h45m02s
